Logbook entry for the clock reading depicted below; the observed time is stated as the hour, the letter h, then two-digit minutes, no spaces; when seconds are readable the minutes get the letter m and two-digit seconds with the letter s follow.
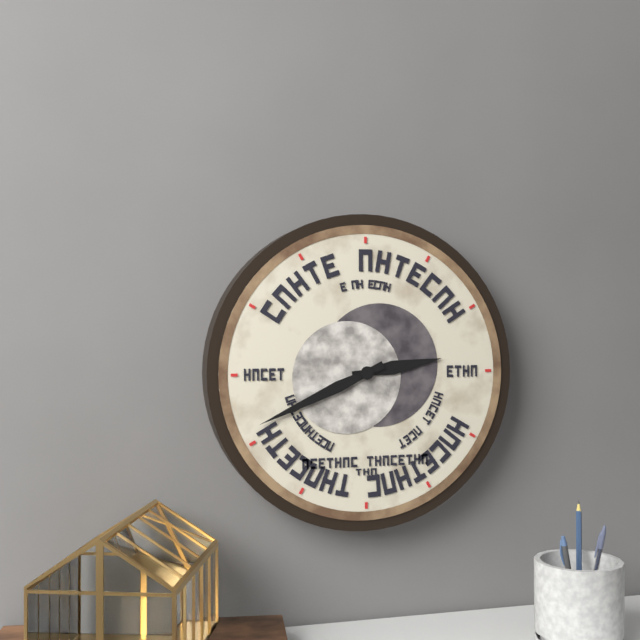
2h41
